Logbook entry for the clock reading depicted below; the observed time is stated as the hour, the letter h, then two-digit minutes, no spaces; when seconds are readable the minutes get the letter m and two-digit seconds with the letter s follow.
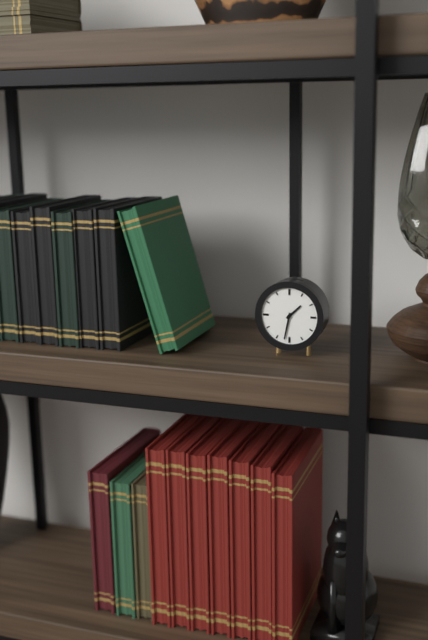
1h32
